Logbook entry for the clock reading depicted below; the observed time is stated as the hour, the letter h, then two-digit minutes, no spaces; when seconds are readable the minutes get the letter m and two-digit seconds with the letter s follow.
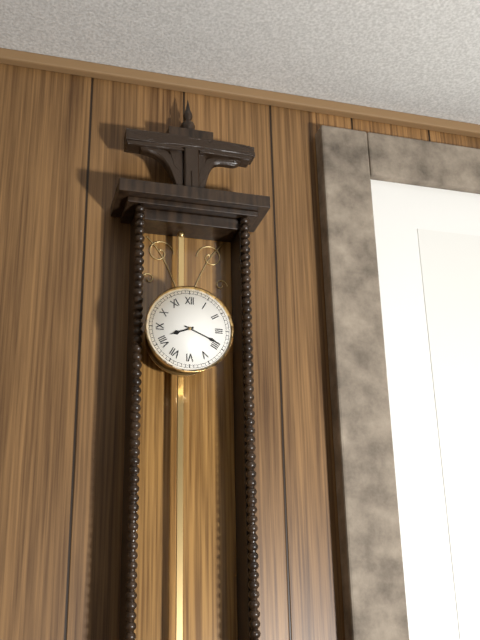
8h19
